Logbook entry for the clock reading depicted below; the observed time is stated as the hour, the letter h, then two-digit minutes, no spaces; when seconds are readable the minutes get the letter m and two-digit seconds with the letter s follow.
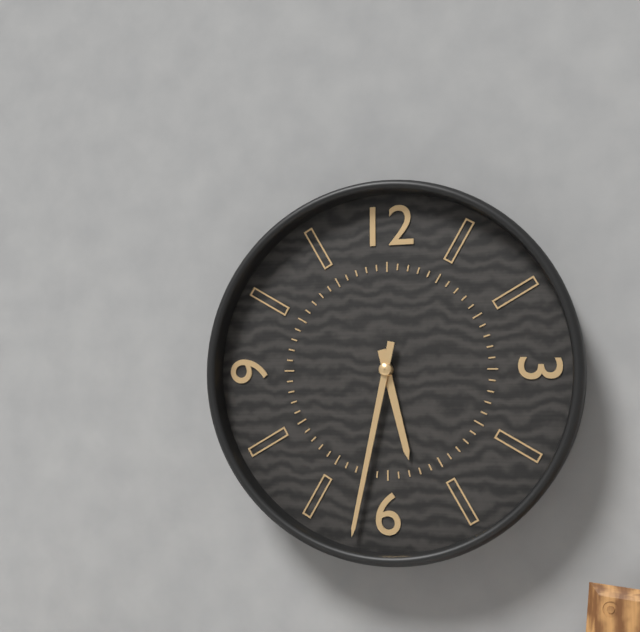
5h32
